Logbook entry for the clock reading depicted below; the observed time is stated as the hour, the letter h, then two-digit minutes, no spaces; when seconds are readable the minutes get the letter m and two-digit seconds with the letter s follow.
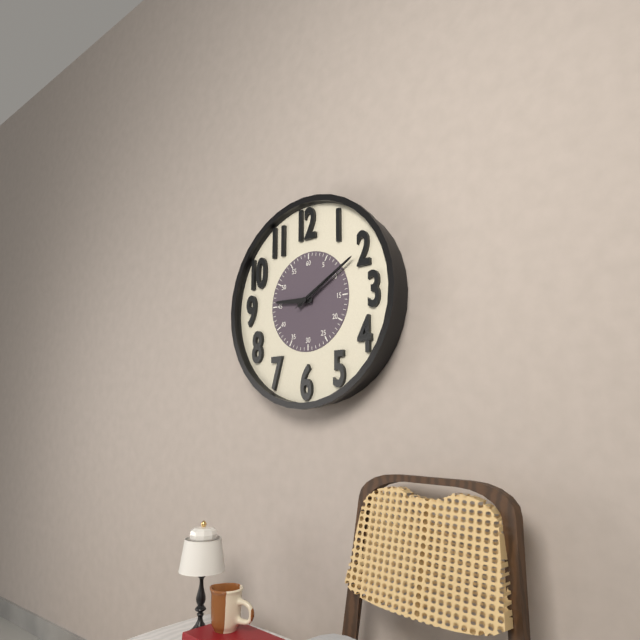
9h10
